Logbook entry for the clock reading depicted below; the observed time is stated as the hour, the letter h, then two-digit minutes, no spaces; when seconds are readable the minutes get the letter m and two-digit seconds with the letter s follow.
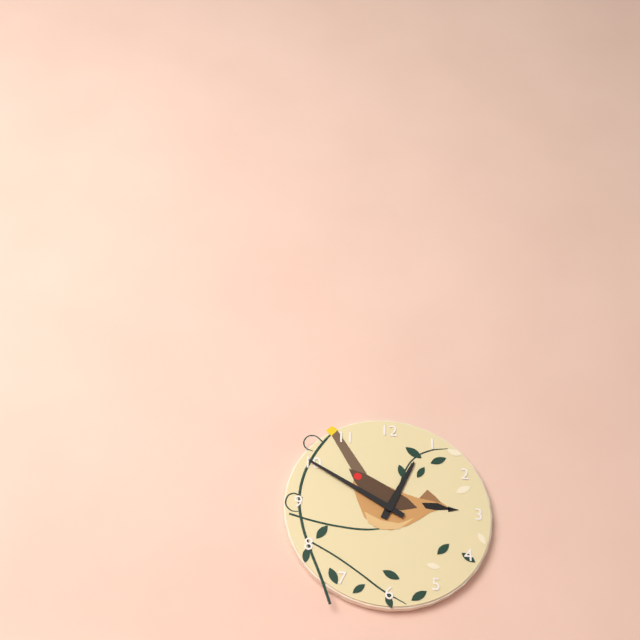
12h50
